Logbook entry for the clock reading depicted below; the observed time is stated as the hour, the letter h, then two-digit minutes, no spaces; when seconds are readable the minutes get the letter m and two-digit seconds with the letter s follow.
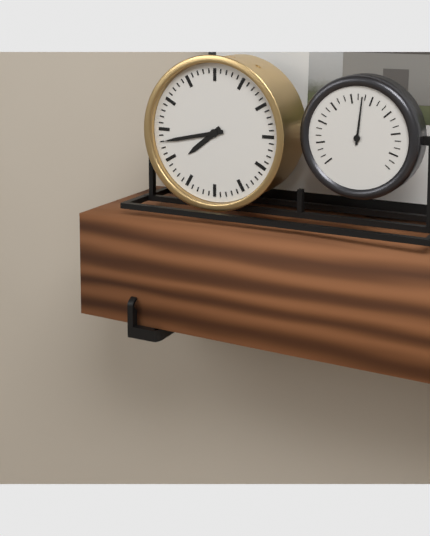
7h43
